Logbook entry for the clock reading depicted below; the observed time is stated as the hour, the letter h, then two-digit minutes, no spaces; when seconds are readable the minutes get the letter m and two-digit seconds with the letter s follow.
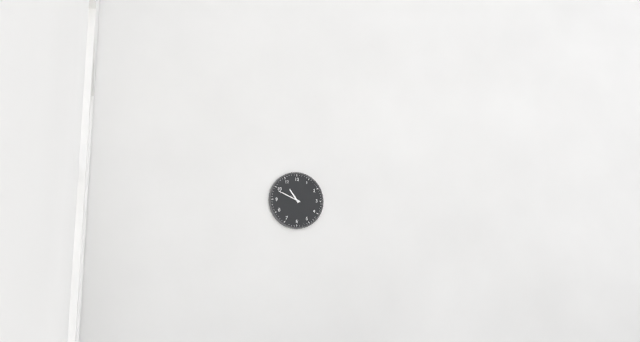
10h49
